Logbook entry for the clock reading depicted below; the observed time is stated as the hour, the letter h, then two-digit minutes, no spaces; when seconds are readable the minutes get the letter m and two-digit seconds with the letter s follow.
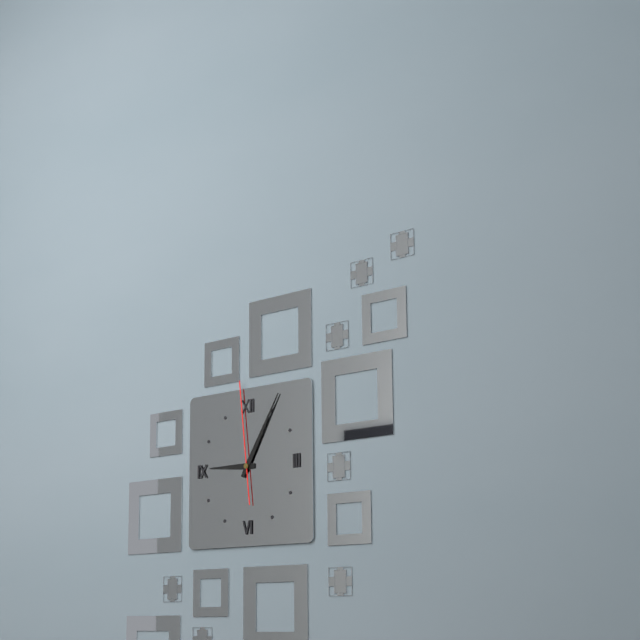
9h05m59s
